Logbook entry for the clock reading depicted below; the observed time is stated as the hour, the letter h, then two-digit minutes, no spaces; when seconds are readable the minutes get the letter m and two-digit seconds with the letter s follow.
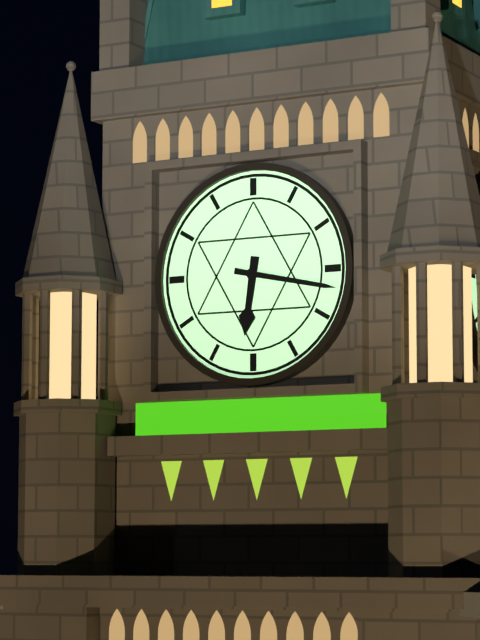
6h17
